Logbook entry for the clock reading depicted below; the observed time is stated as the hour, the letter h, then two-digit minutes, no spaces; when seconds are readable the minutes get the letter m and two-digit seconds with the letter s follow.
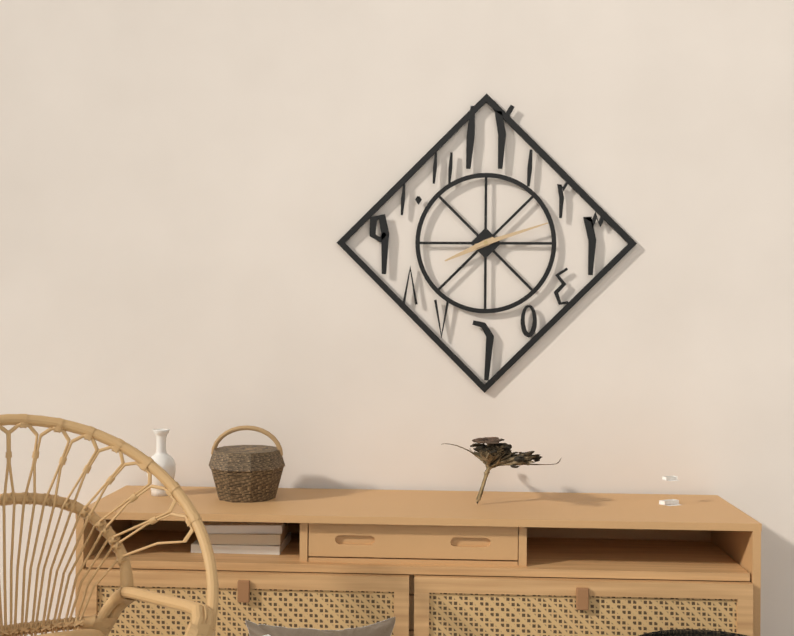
8h12
